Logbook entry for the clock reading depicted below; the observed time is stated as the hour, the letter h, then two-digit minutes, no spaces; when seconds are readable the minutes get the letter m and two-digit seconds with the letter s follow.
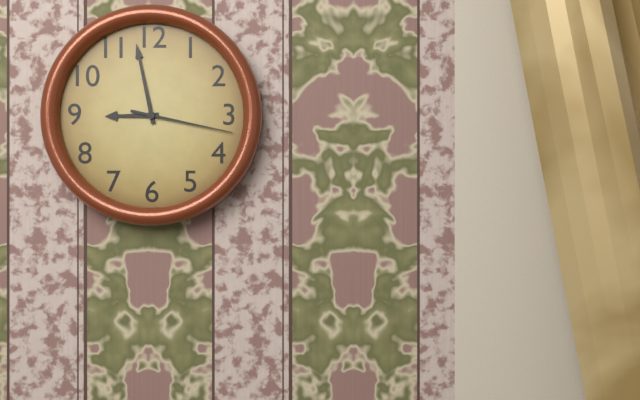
8h58m17s
